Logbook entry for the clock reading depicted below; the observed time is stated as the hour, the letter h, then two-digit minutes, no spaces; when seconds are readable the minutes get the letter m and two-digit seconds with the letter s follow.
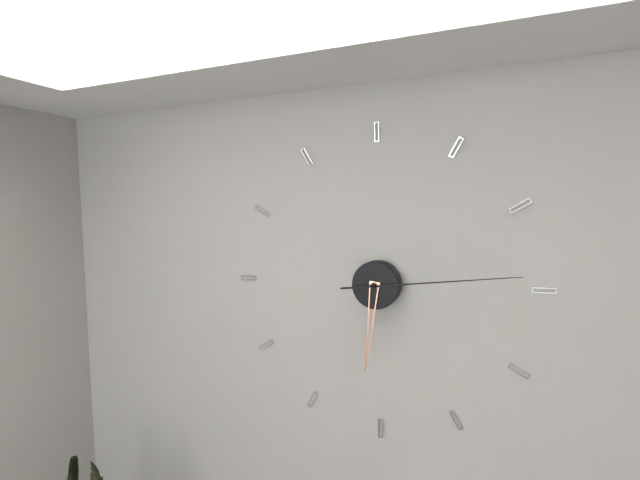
6h14
